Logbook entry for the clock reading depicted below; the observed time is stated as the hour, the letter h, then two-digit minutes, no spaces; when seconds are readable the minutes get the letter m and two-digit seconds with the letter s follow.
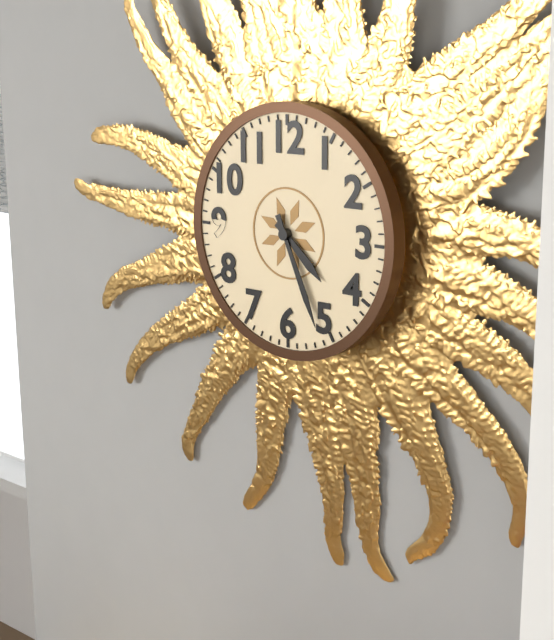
4h26
